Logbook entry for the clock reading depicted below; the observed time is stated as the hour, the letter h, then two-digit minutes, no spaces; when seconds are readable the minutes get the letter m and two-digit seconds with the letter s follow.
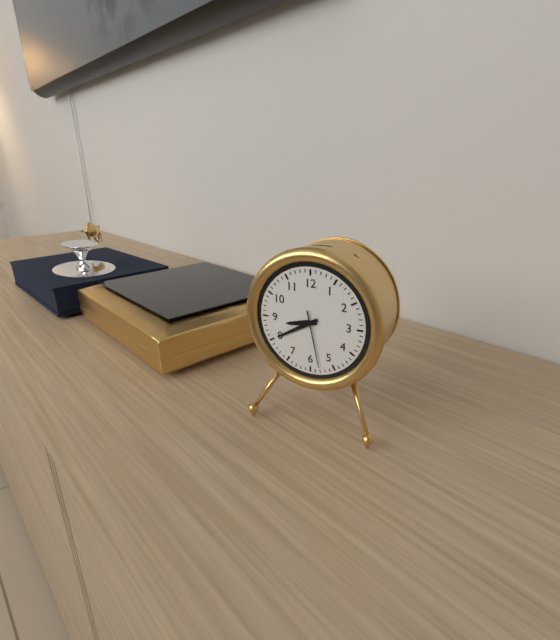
8h40m28s
